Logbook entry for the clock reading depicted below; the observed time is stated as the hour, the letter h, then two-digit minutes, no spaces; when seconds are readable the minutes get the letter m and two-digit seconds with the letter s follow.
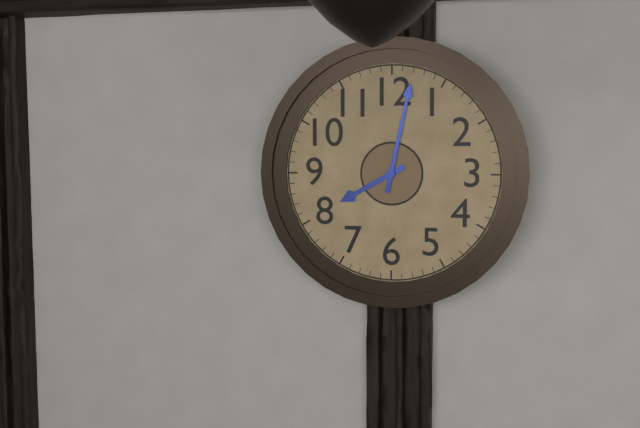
8h02
